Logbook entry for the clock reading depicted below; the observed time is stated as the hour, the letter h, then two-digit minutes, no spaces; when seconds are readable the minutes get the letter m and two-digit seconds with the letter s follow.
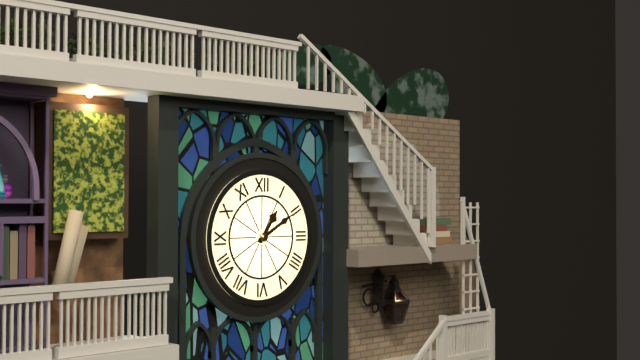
1h10
